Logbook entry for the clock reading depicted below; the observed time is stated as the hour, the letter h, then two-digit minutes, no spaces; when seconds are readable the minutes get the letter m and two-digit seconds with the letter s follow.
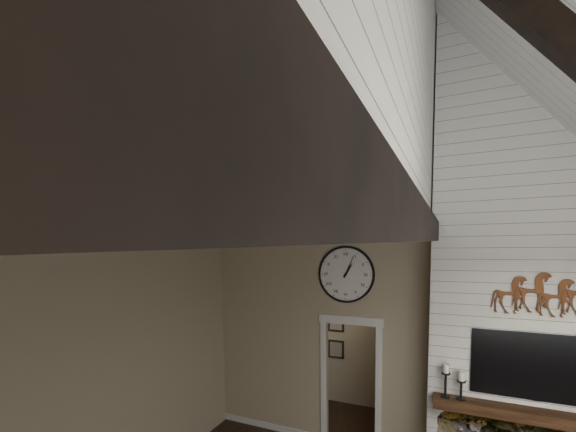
1h04
